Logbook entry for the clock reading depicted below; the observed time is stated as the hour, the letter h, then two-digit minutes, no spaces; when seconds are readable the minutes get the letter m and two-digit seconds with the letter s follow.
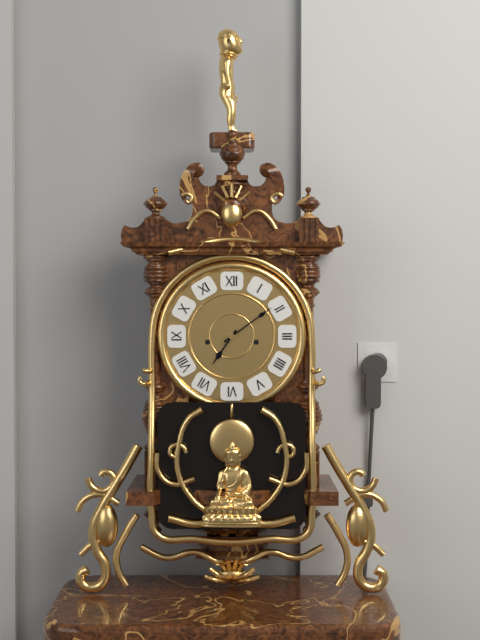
7h09
